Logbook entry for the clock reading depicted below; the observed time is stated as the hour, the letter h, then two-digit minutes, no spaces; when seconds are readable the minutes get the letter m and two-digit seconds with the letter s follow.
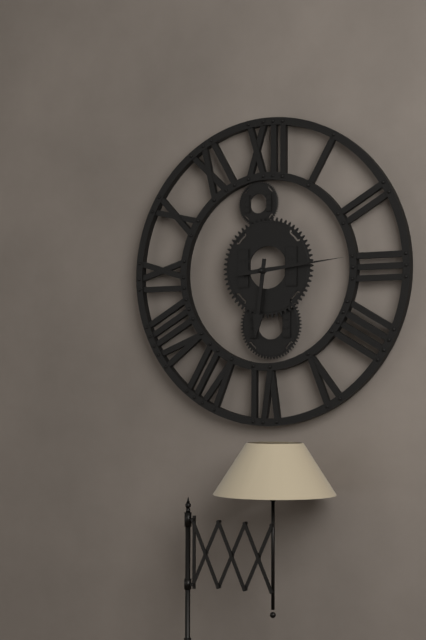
6h14
